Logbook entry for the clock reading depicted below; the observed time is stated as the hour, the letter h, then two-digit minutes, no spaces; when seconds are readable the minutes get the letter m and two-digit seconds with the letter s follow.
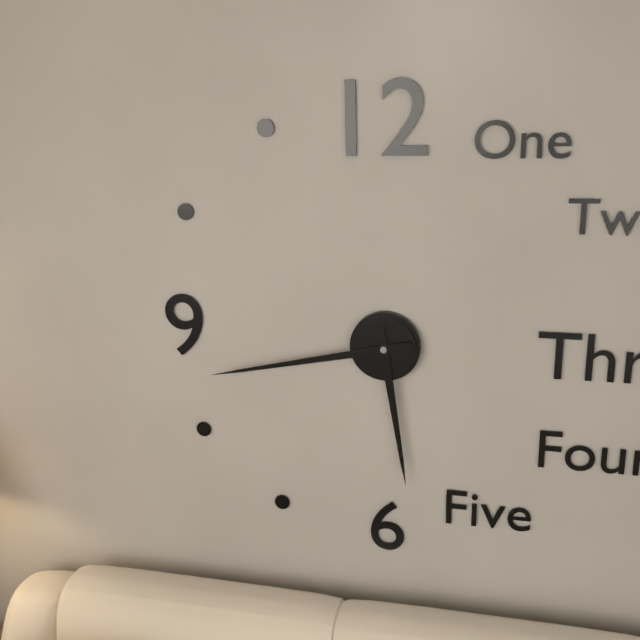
5h43
